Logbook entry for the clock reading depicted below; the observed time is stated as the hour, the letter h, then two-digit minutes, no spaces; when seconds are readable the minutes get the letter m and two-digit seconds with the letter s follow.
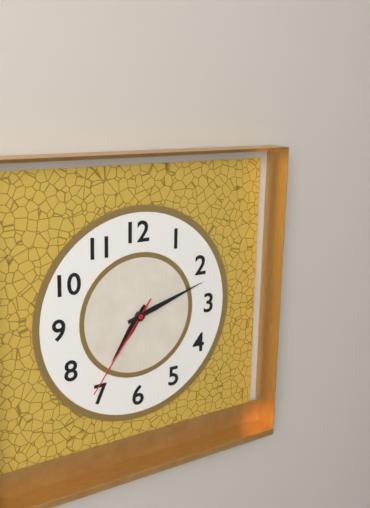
7h12m36s
